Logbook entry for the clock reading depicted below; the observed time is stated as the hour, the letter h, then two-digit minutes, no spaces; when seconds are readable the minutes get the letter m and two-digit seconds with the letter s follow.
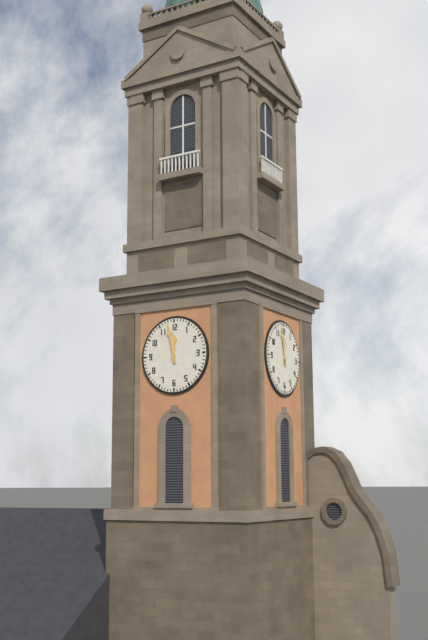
11h58
